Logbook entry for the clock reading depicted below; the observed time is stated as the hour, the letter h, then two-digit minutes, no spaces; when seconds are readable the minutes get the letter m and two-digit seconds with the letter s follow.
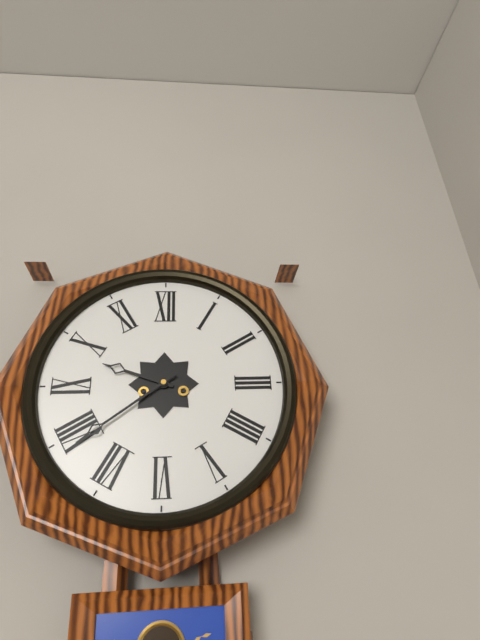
9h39
